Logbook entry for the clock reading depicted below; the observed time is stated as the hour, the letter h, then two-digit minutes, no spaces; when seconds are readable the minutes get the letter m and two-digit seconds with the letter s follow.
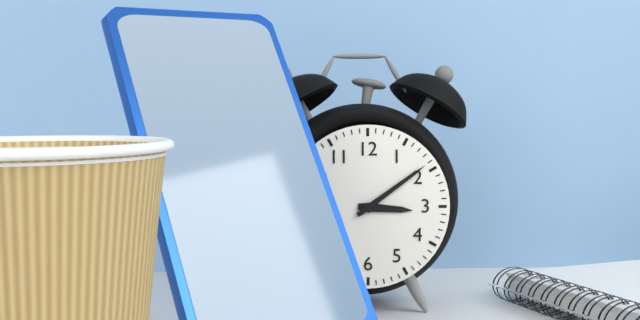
3h09
